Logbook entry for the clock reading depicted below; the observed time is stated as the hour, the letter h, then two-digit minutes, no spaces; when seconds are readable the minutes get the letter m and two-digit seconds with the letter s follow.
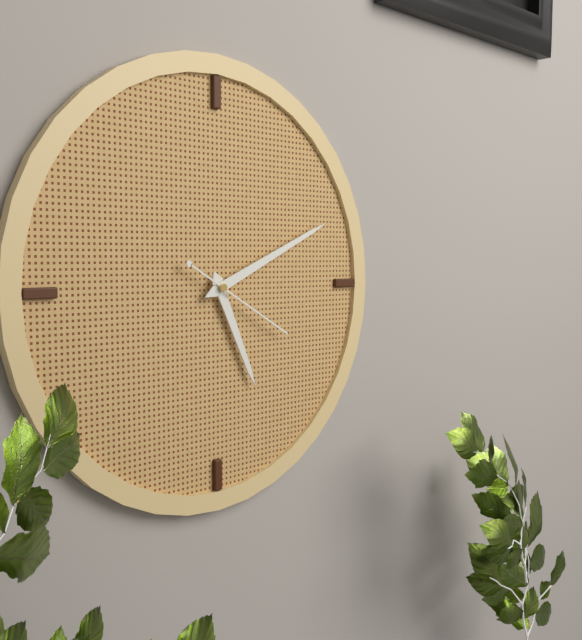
5h11m20s
